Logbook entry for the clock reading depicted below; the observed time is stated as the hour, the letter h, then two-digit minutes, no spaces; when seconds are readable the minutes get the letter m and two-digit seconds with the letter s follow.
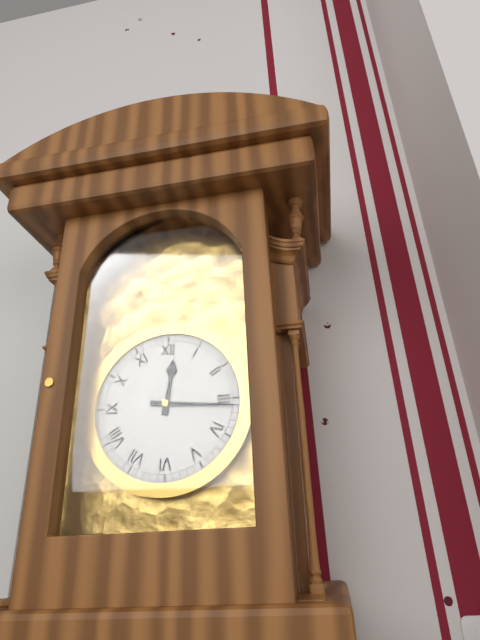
12h16
